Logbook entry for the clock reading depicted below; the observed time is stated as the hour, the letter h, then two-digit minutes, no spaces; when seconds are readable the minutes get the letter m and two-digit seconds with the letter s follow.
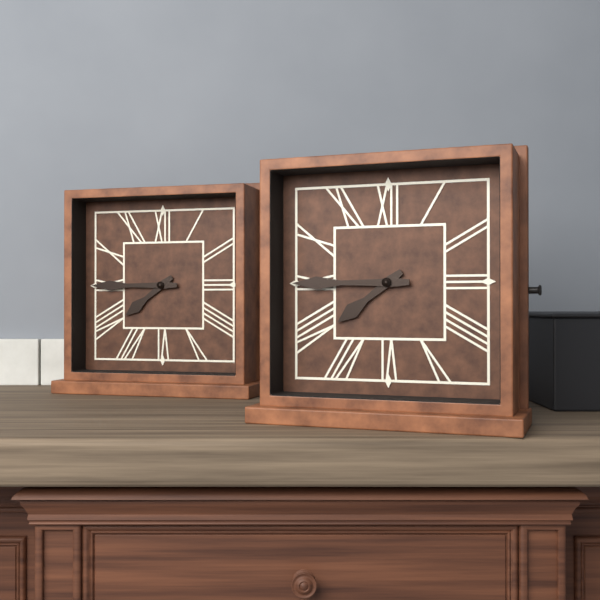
7h45
